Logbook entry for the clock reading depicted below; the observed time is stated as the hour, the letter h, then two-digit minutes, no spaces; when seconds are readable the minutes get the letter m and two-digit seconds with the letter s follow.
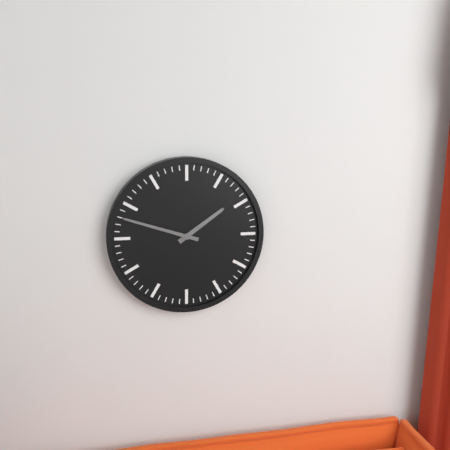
1h48
